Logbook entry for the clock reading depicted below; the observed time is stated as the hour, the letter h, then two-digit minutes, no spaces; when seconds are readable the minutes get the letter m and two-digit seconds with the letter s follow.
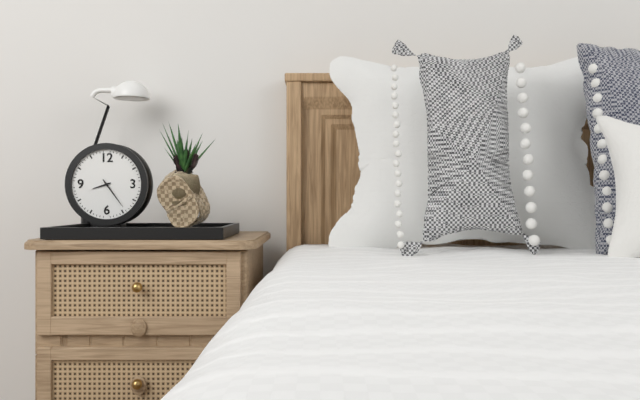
8h24
